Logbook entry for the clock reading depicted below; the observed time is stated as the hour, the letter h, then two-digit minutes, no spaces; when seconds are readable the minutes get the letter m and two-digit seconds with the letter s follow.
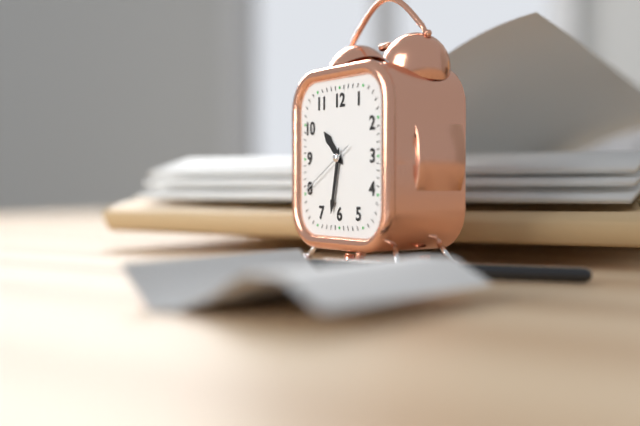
10h32m40s
